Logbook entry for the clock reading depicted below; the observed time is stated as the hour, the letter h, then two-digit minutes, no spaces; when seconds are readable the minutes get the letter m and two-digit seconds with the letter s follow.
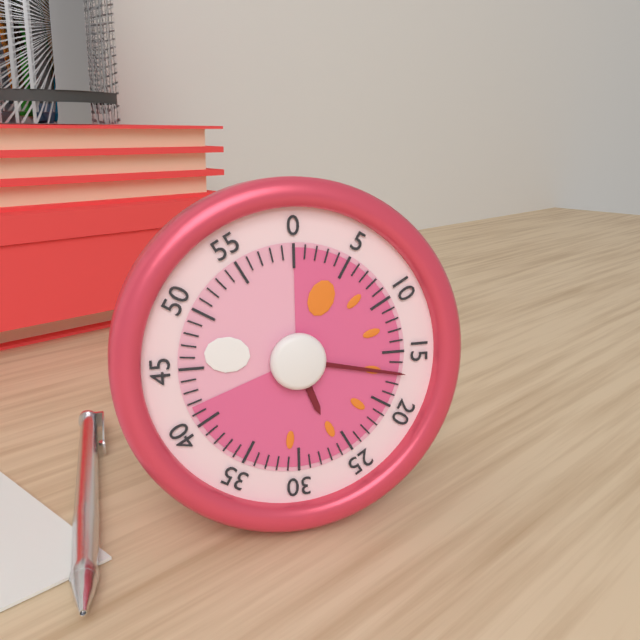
5h17
